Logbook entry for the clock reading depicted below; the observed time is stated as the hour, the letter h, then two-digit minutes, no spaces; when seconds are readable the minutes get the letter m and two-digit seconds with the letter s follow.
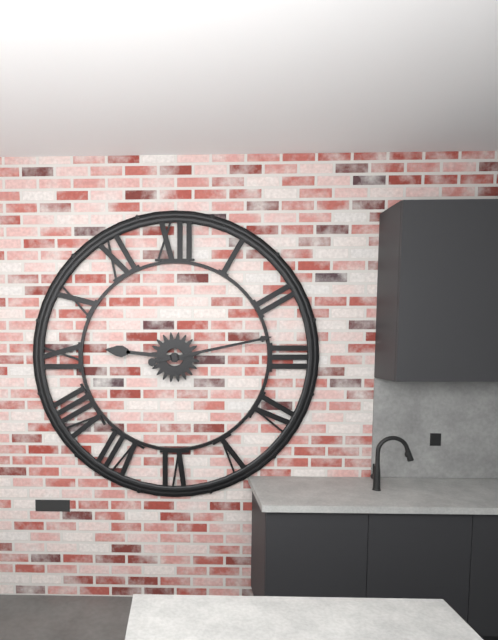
9h13
